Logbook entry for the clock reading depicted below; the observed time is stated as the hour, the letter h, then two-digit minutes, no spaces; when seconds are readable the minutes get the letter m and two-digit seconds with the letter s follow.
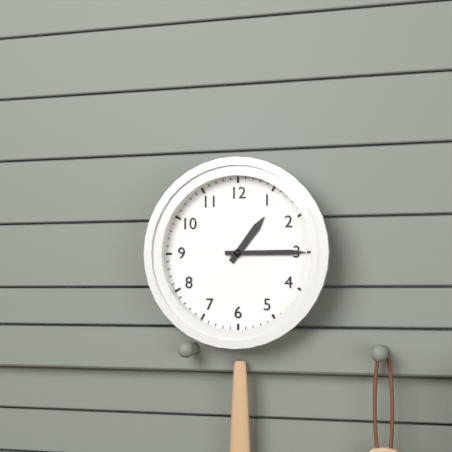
1h15
